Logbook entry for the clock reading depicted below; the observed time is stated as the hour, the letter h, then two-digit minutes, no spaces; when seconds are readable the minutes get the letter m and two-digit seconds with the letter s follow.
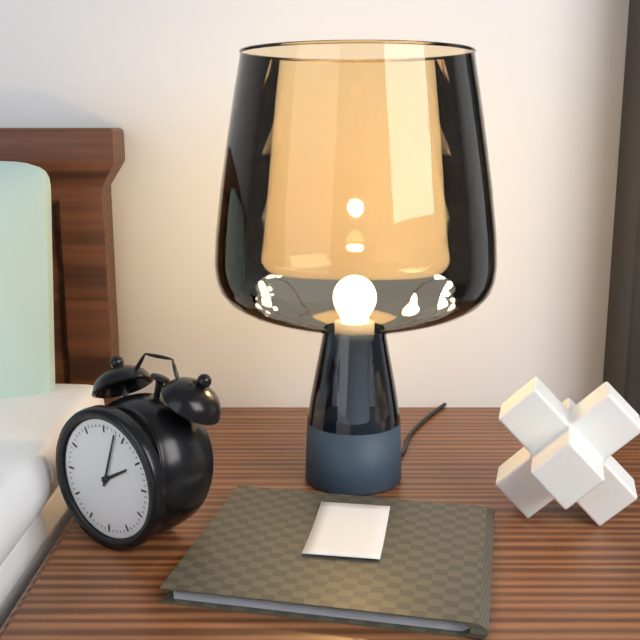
2h03
